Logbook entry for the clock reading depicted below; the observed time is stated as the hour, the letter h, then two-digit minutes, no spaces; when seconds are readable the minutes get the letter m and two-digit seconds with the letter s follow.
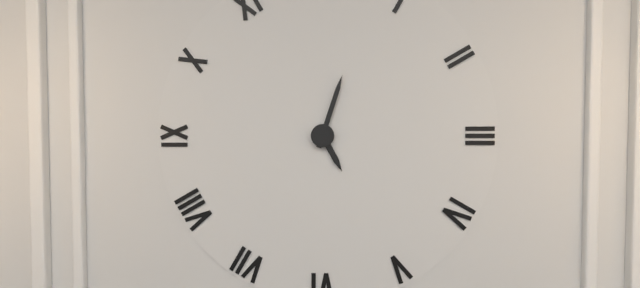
5h03
